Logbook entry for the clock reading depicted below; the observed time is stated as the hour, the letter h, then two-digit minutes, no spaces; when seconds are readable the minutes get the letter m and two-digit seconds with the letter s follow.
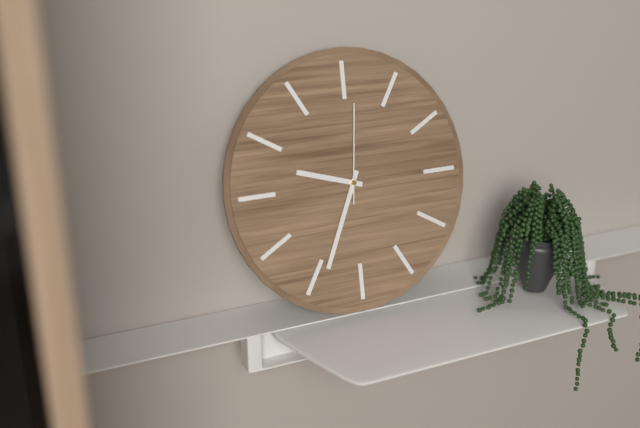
9h34m01s
